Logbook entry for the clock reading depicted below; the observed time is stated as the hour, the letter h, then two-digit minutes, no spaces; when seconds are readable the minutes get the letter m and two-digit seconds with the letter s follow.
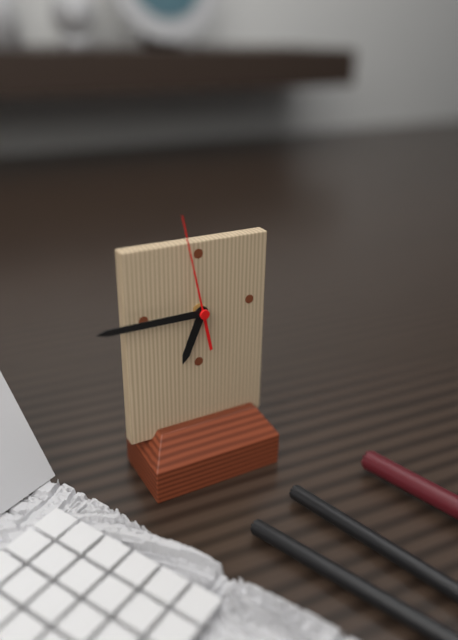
6h45m58s
